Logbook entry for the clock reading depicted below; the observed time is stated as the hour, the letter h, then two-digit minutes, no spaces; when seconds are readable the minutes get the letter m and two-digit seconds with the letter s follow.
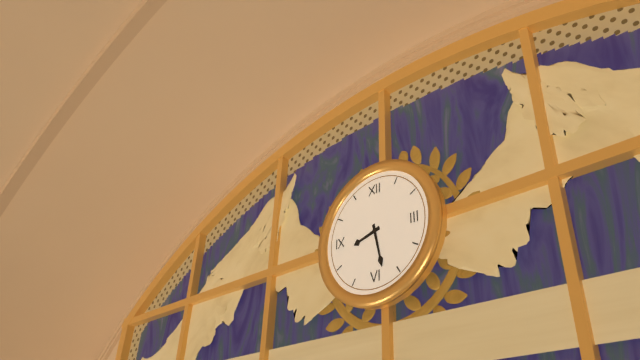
8h28
